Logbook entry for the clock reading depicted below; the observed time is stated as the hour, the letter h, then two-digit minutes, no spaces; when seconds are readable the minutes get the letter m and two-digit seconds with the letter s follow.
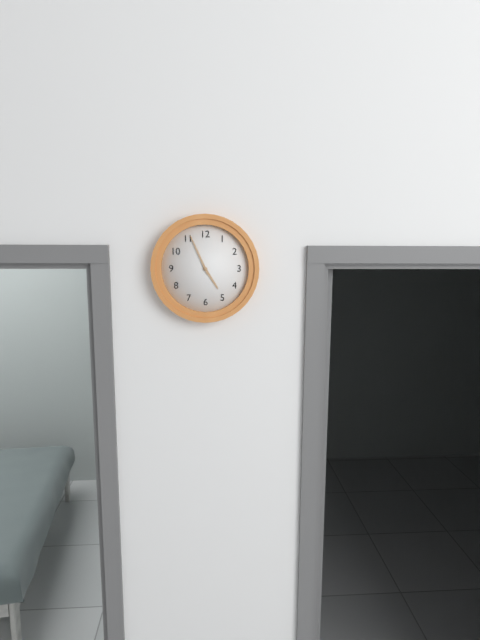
4h56
